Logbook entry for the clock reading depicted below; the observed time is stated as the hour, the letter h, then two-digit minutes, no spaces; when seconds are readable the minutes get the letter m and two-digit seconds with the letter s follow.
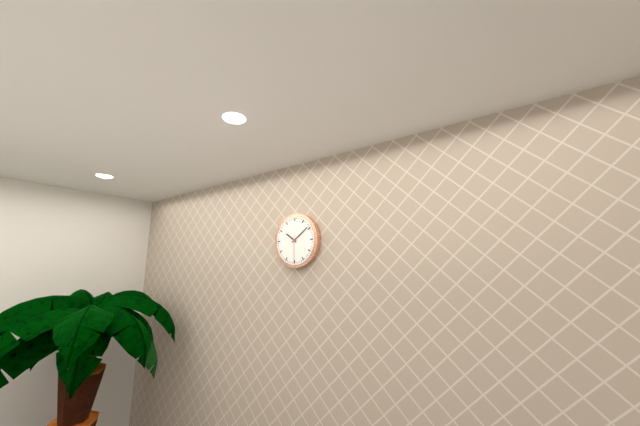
10h09
